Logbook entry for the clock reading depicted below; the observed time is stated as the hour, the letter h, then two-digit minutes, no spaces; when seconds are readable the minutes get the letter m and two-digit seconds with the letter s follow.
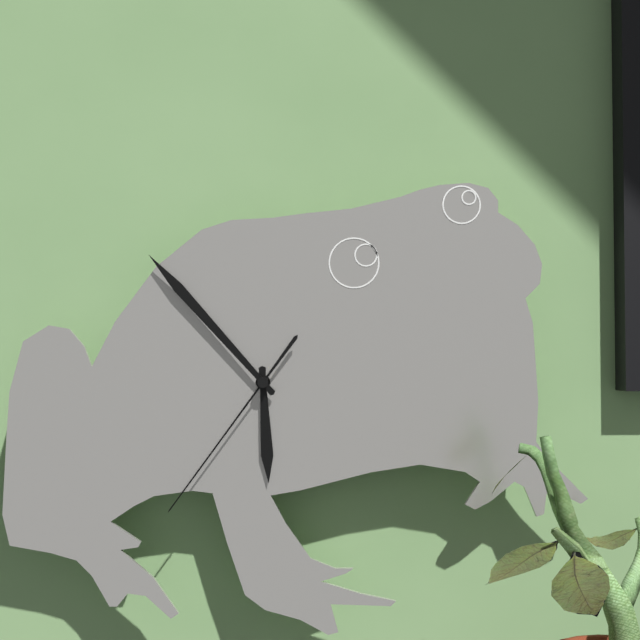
5h53m36s
